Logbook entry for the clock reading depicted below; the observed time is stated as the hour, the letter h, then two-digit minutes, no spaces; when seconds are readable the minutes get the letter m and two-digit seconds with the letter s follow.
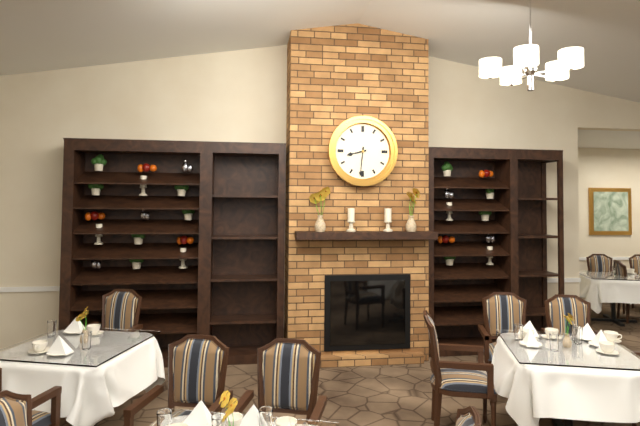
8h31
